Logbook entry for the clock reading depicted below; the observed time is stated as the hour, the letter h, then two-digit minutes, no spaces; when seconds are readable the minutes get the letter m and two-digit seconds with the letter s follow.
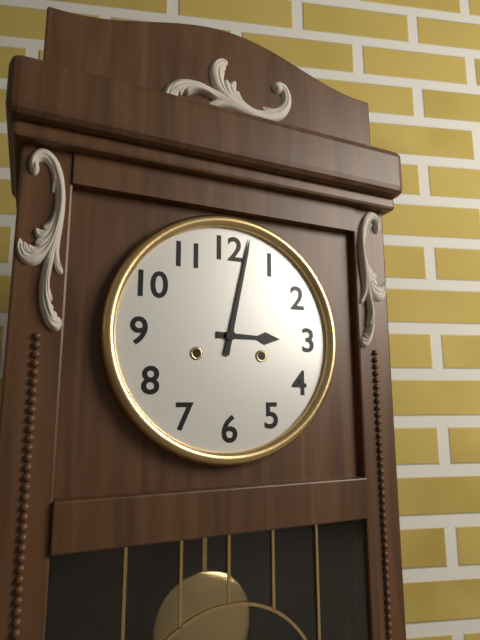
3h02
